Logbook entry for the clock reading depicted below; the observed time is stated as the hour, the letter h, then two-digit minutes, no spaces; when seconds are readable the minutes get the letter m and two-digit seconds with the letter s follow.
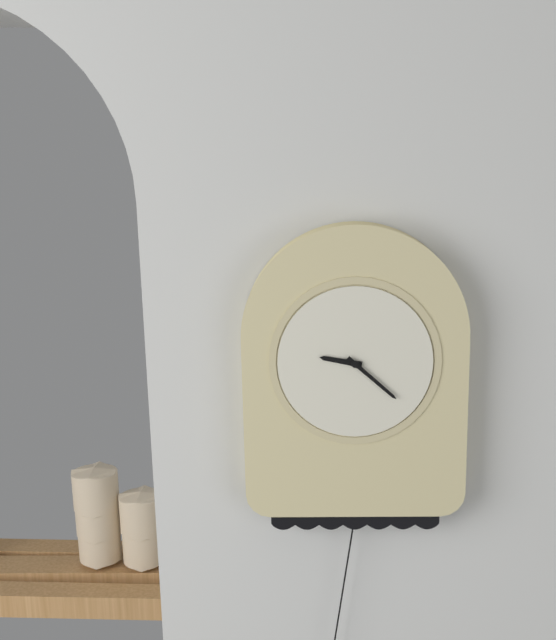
9h22
